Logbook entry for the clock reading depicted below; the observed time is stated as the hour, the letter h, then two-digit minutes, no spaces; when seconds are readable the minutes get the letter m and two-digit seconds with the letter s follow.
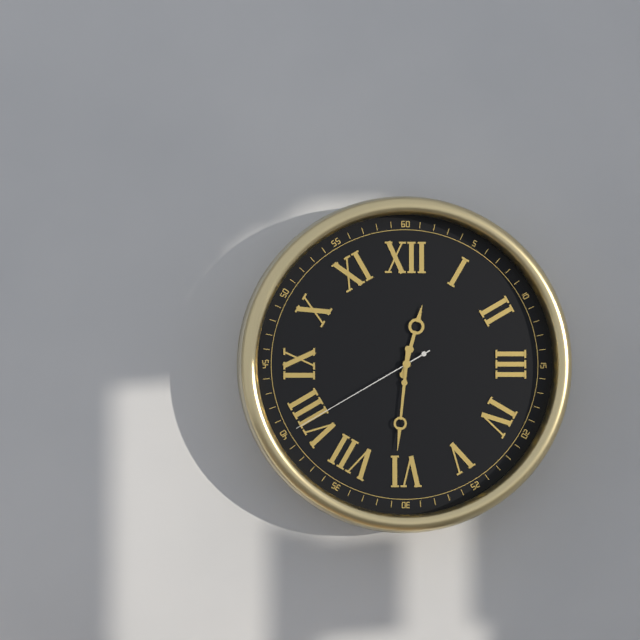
12h31m40s
